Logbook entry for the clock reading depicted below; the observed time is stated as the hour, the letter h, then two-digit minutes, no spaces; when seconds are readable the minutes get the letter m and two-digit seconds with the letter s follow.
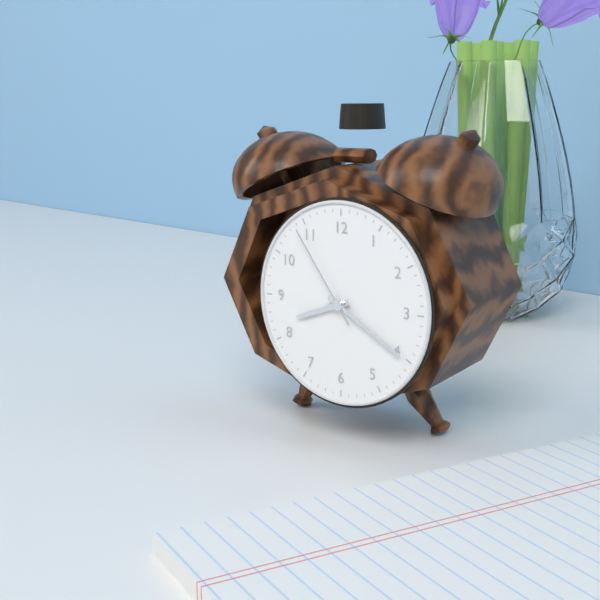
8h20m54s
